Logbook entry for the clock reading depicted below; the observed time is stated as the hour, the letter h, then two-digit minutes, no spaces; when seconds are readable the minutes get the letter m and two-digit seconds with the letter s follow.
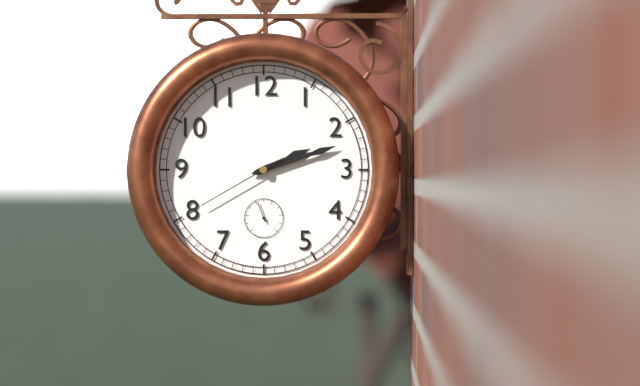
2h12m40s
